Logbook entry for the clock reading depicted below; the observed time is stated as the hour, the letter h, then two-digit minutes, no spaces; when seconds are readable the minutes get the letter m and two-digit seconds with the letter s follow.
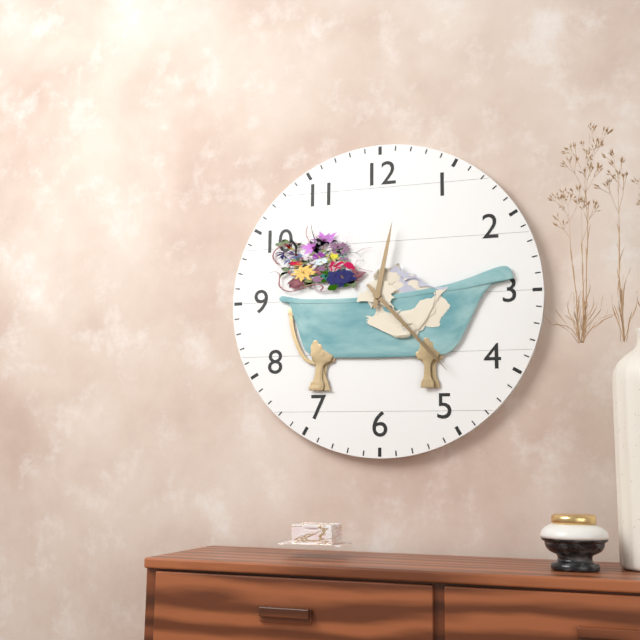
12h23
